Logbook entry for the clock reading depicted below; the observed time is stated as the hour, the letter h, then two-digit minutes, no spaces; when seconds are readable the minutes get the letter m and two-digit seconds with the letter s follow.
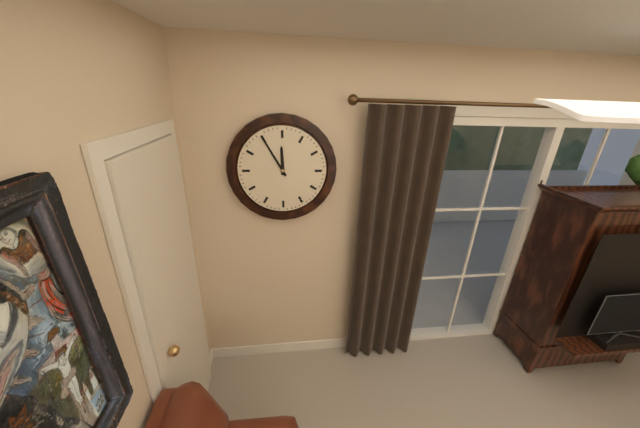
11h55
